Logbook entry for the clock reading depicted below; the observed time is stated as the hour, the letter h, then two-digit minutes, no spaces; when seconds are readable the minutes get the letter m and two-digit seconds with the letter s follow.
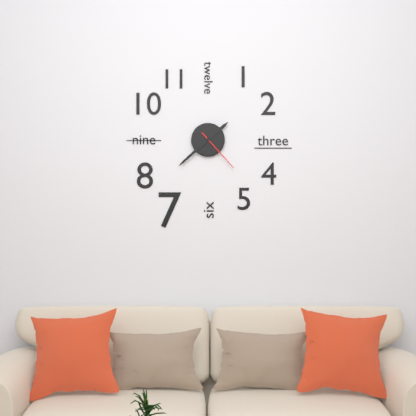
1h38
